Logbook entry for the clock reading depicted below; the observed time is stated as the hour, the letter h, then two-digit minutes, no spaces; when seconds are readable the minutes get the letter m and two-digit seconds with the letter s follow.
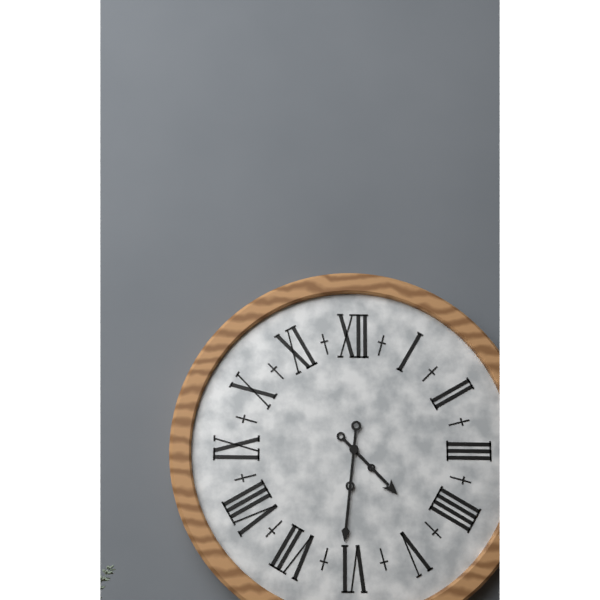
4h31
